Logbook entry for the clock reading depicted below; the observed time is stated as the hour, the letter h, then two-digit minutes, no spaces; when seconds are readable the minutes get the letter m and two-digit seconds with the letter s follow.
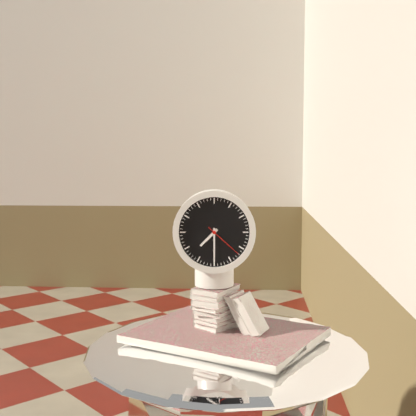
7h30
